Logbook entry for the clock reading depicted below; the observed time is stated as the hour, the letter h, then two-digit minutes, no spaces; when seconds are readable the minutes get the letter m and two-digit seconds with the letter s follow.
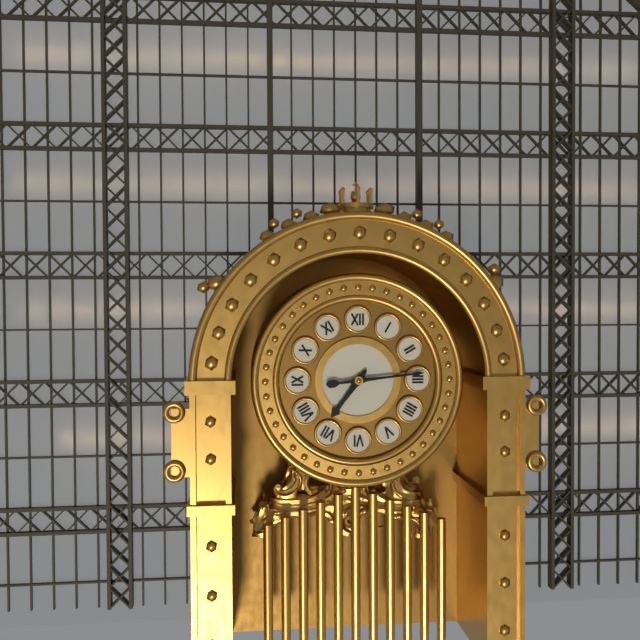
7h14
